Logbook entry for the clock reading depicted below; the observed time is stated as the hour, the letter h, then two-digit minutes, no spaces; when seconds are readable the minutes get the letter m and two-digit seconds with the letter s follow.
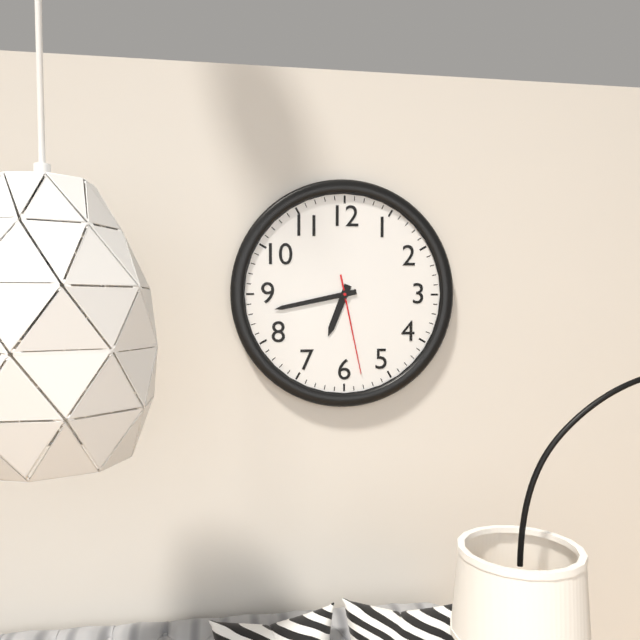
6h43m28s
